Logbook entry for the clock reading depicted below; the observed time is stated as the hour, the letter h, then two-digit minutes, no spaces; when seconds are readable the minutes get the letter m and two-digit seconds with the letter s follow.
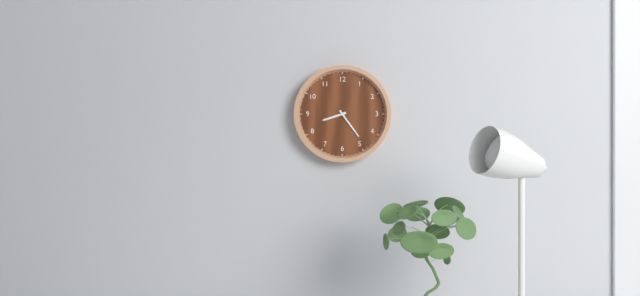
8h24
